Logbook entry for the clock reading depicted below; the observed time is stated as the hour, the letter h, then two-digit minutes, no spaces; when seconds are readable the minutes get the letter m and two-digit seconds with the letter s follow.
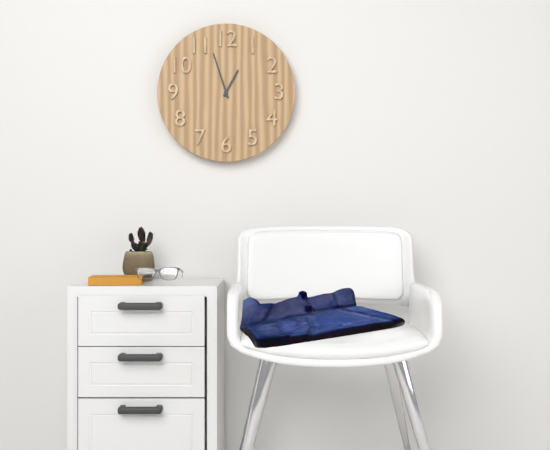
12h57
